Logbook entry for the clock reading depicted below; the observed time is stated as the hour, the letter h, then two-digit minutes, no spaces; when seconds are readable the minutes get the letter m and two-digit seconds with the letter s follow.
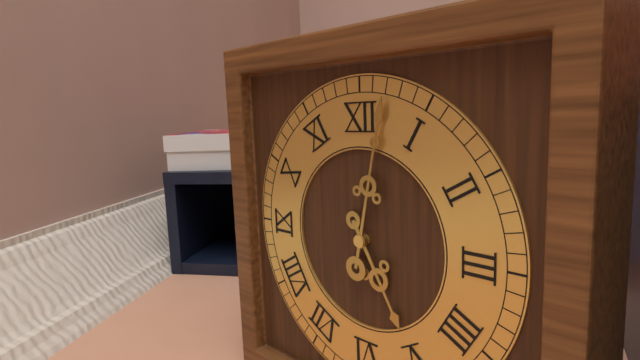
5h02
